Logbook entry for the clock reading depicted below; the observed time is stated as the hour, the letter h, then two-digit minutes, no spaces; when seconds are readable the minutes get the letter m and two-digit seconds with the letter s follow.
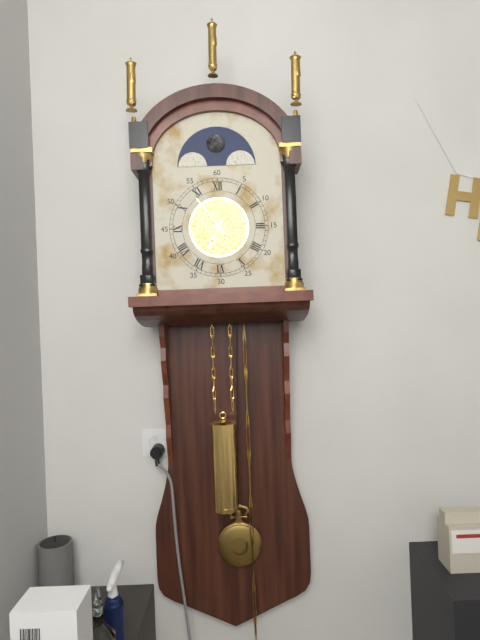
6h54
